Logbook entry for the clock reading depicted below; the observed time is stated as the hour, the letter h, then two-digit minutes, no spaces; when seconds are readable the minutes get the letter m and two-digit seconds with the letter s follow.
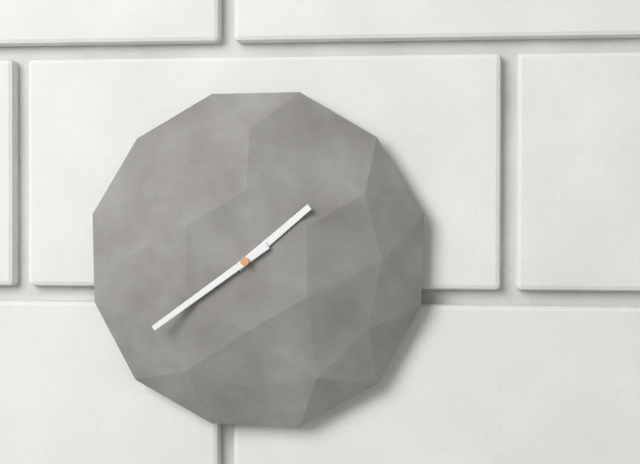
1h39
